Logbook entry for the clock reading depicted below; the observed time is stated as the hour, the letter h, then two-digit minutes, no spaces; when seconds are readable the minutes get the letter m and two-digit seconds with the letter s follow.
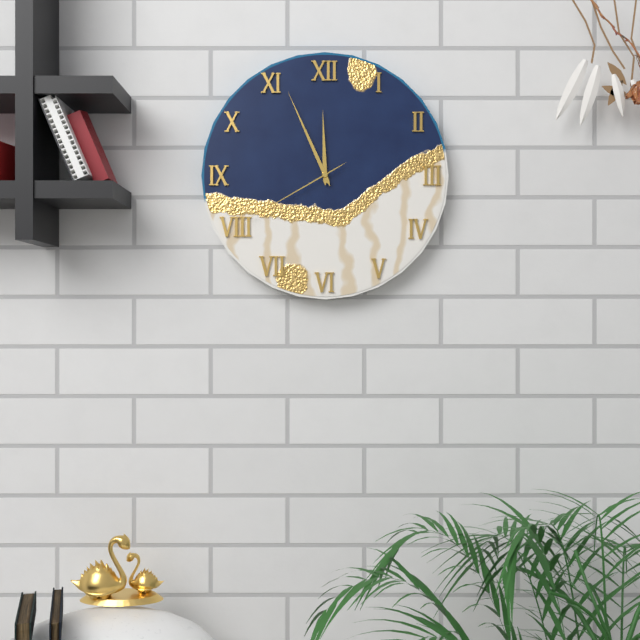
11h56m40s
